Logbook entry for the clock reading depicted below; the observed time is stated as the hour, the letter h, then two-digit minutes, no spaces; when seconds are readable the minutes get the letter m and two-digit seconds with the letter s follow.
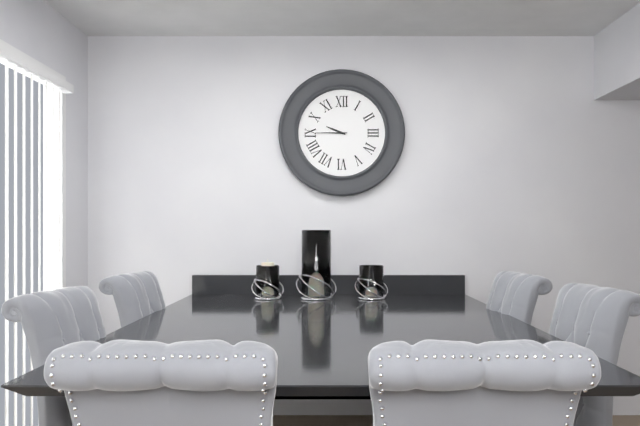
9h45
